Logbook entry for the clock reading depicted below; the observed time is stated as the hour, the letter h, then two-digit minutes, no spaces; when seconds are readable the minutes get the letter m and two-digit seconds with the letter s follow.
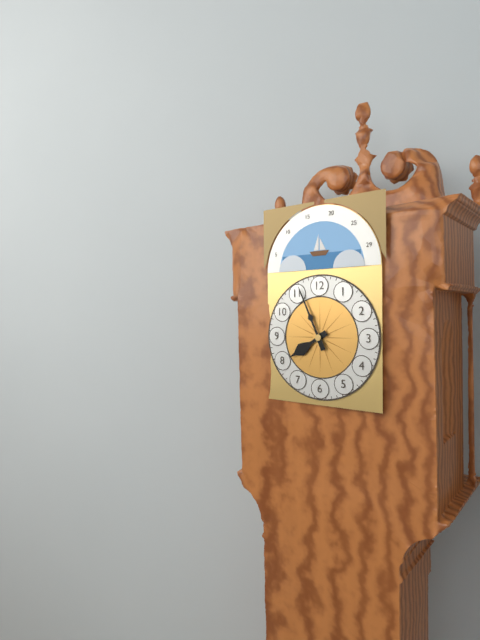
7h56
